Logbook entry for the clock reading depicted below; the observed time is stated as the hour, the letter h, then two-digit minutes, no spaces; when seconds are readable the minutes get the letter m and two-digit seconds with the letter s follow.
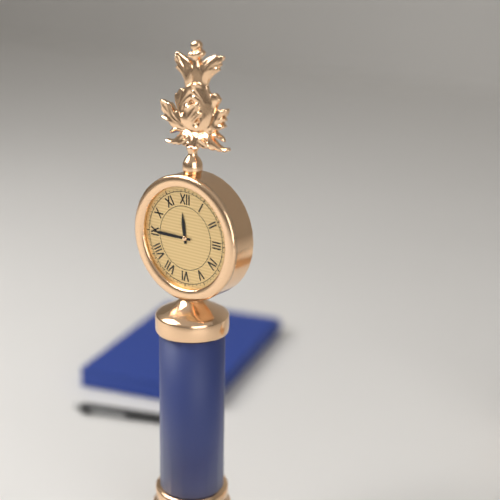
11h45
